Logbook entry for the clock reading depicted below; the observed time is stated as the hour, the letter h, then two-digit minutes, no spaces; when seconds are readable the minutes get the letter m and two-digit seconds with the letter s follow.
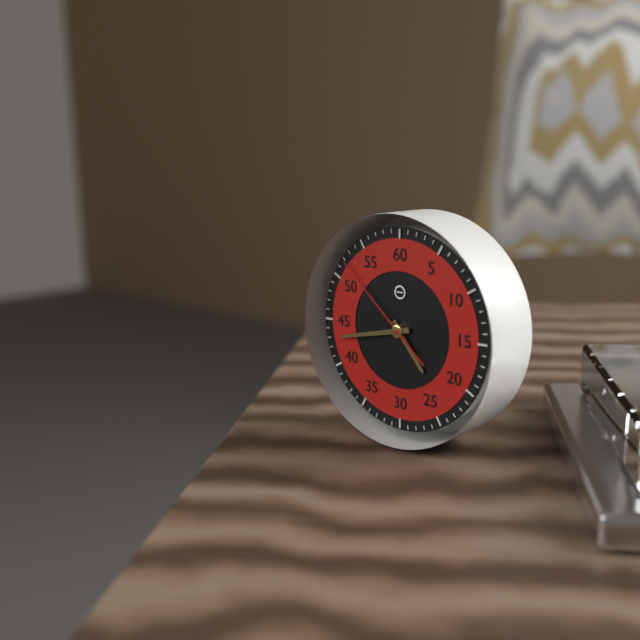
4h43m52s
